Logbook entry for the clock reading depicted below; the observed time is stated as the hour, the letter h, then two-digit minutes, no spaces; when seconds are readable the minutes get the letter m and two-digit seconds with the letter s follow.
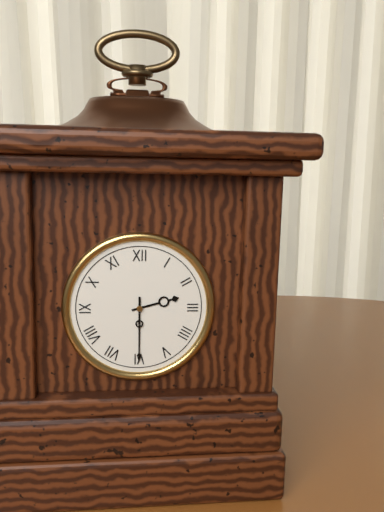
2h30
